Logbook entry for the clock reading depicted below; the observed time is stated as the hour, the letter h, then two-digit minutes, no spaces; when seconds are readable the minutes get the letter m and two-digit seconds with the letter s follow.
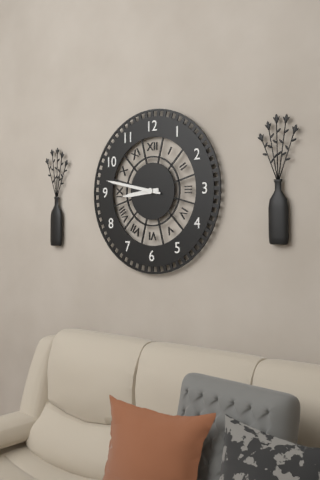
8h47
